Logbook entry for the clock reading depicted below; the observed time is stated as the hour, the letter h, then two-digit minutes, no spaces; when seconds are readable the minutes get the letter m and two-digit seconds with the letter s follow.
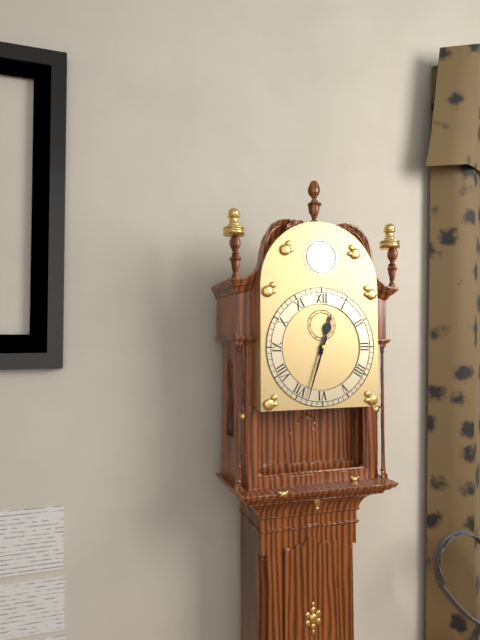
12h33
